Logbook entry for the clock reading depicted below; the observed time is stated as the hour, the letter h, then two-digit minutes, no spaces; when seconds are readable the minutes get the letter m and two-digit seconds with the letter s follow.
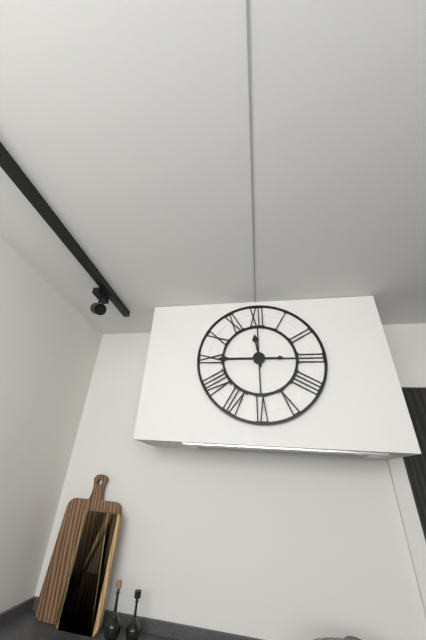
11h45
